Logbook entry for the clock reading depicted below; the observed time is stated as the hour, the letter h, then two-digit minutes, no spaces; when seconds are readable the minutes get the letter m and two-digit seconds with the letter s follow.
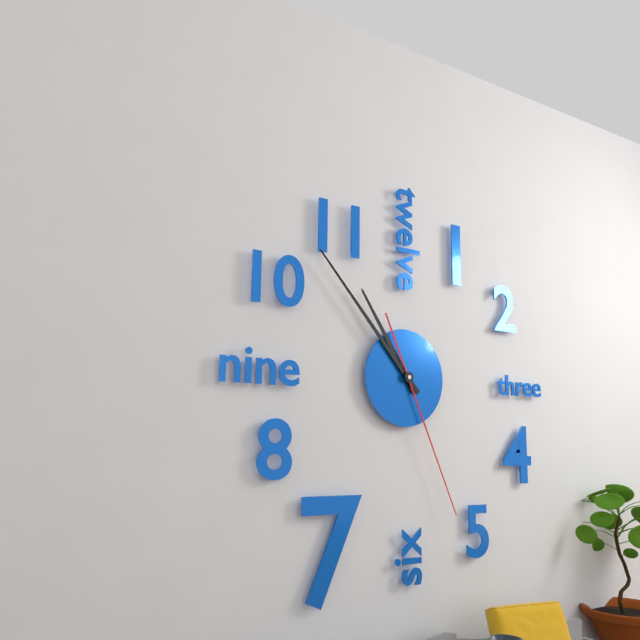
10h53m26s
